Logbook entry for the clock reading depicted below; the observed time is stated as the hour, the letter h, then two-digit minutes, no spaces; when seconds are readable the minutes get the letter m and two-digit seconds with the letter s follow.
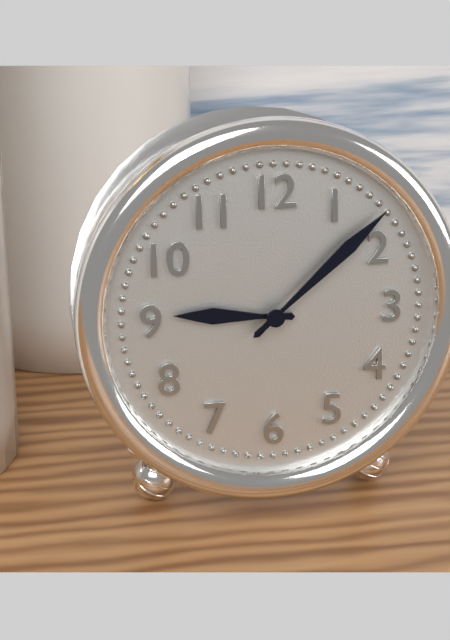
9h08
